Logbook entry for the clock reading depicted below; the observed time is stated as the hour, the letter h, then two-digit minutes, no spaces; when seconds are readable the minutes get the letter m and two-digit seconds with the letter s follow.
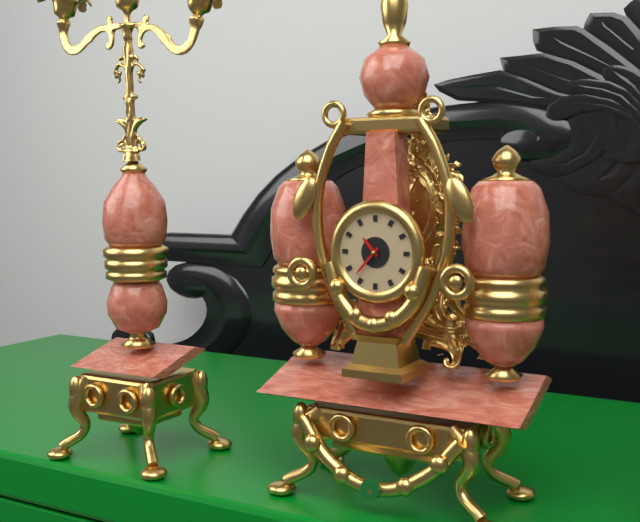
10h37
